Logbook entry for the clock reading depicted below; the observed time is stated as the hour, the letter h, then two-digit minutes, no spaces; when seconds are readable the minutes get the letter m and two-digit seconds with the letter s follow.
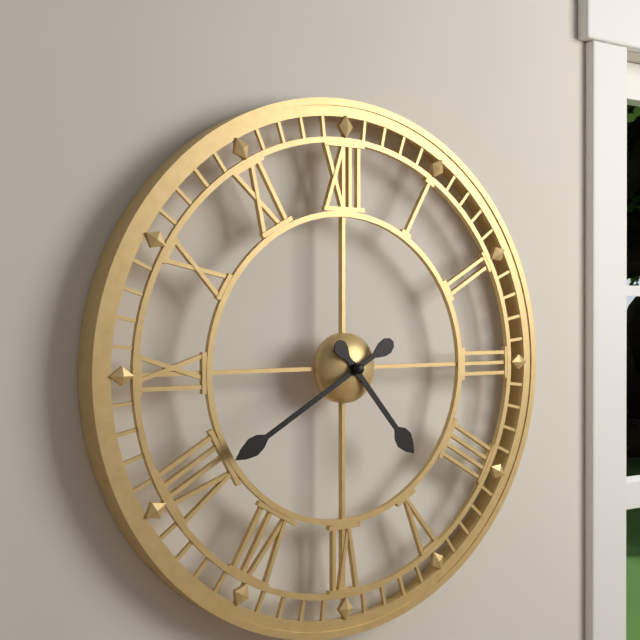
4h40
